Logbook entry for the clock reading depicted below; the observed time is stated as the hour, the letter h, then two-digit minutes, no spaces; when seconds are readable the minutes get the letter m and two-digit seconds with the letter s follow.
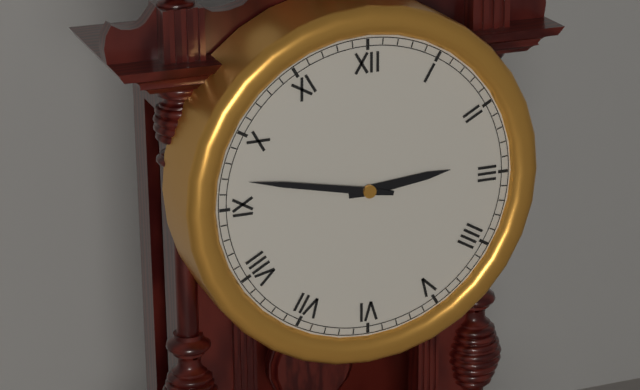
2h47
